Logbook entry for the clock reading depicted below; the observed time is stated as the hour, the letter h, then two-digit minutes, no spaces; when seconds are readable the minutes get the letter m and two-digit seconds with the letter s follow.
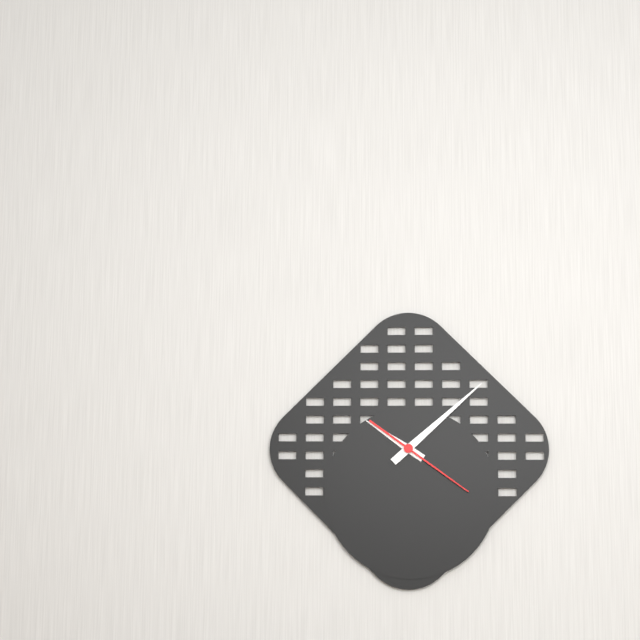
10h08m21s
